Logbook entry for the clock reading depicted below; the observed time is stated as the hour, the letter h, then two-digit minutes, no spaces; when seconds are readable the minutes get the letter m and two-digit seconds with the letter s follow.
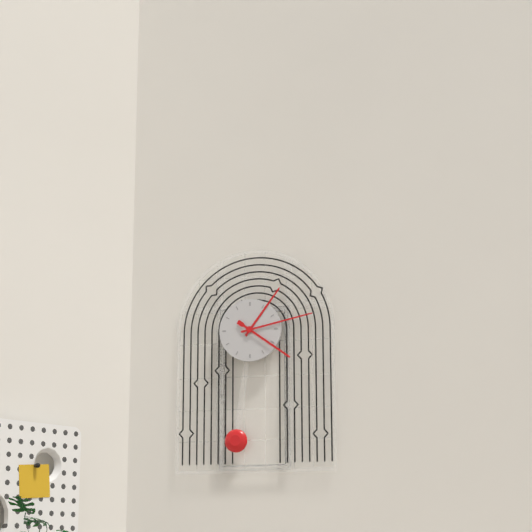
1h13m21s
